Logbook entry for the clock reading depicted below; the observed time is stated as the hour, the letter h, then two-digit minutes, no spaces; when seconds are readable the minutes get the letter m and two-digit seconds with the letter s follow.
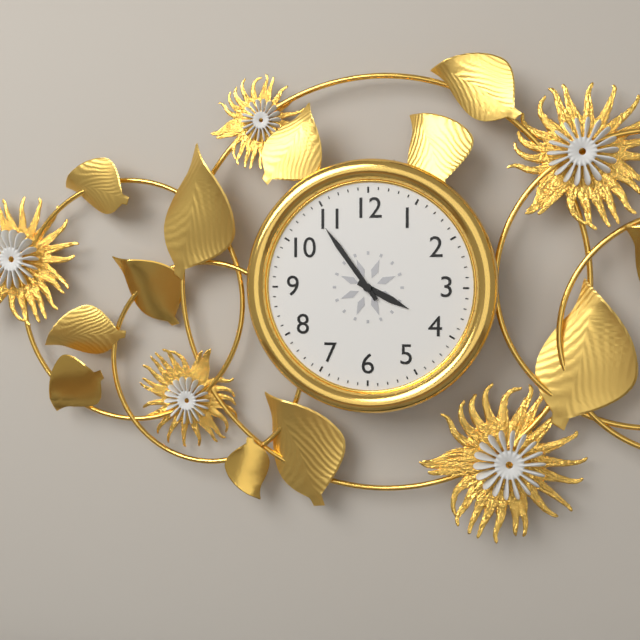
3h54
